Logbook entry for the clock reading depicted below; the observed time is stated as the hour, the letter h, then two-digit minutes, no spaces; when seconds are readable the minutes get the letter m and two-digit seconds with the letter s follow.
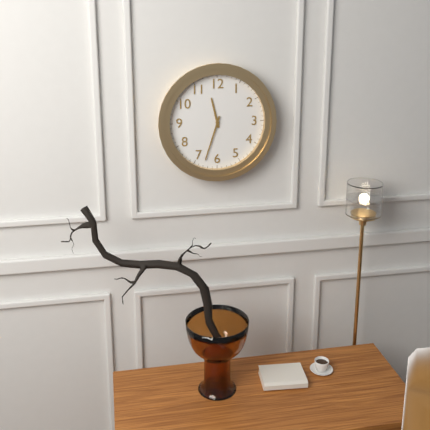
11h33
